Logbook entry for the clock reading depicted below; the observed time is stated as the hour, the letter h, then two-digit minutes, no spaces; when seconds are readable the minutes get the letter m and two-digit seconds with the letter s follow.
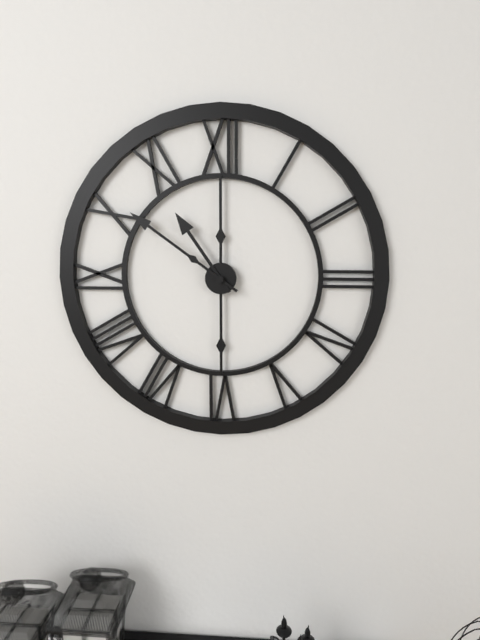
10h51
